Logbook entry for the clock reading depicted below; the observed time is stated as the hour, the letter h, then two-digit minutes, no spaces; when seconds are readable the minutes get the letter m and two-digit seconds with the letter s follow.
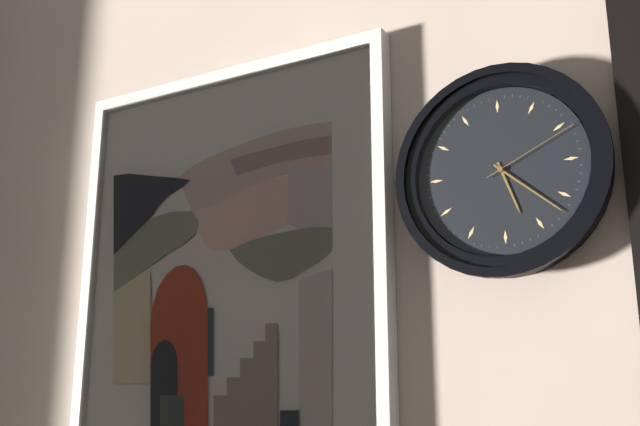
5h22m11s
